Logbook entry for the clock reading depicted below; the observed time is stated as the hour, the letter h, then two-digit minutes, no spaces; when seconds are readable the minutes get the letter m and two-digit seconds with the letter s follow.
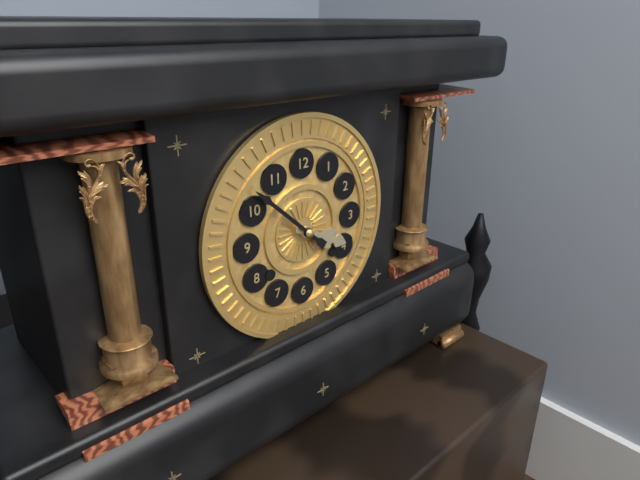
3h52
